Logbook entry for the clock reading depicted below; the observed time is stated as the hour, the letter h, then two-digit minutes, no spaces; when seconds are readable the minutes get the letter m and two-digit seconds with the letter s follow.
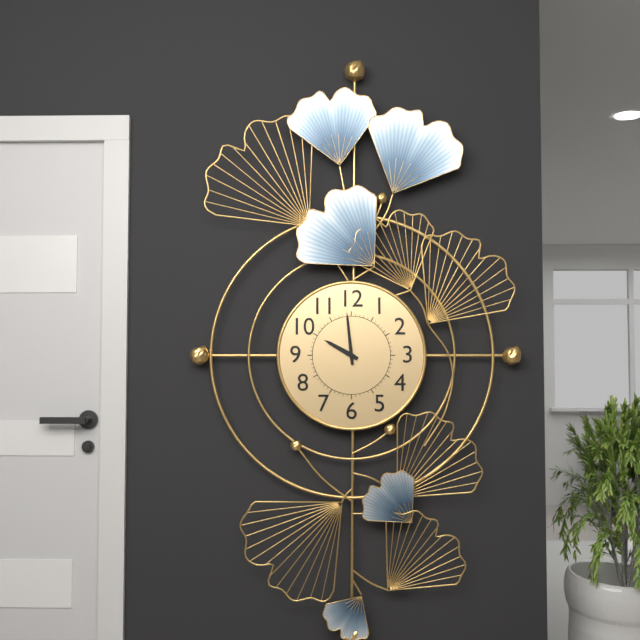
9h59
